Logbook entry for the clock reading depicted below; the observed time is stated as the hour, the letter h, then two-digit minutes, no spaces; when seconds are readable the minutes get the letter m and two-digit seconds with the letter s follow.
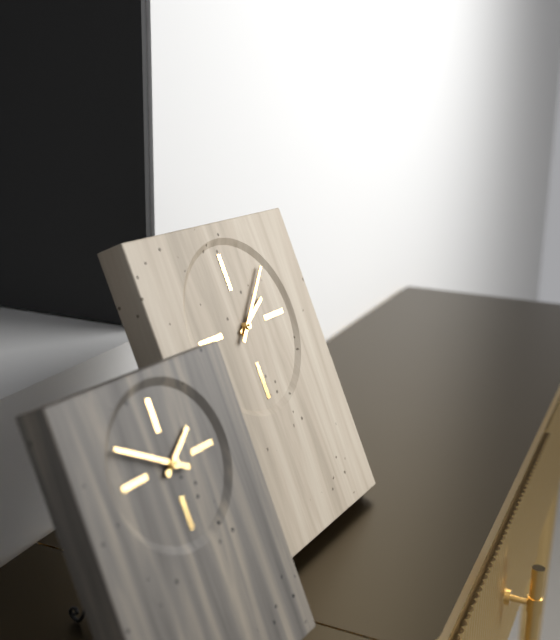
2h08
